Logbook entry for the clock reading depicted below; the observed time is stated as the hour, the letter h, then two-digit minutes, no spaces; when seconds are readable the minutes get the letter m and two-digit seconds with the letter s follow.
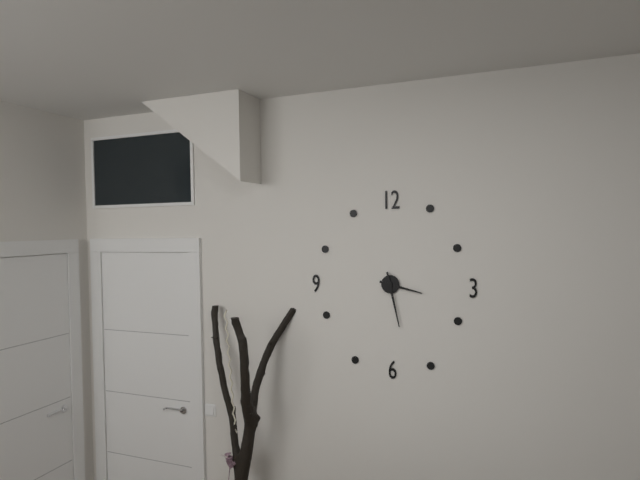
3h28
